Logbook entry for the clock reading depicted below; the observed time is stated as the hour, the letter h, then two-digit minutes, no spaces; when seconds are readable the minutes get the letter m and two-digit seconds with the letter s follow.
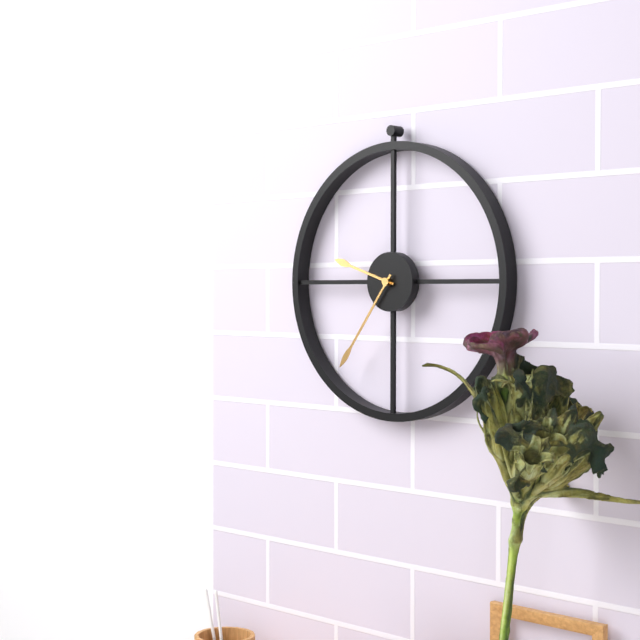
9h36
